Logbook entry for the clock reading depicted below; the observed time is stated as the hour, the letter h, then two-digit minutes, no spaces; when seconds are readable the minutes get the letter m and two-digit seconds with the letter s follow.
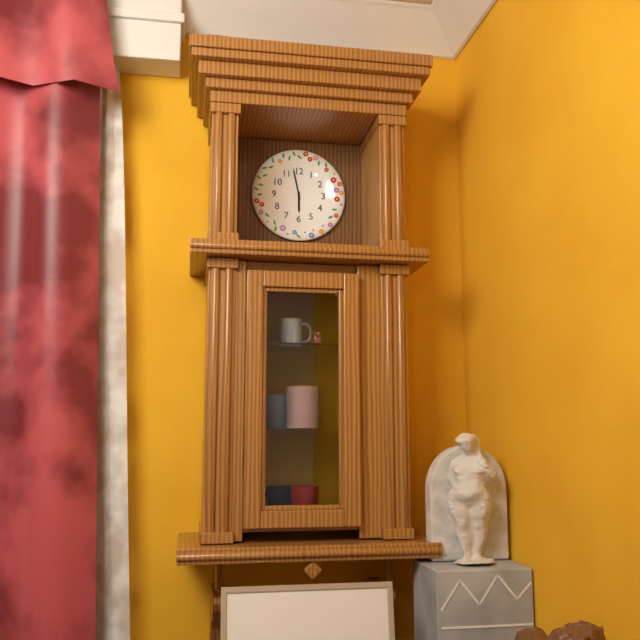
5h58
